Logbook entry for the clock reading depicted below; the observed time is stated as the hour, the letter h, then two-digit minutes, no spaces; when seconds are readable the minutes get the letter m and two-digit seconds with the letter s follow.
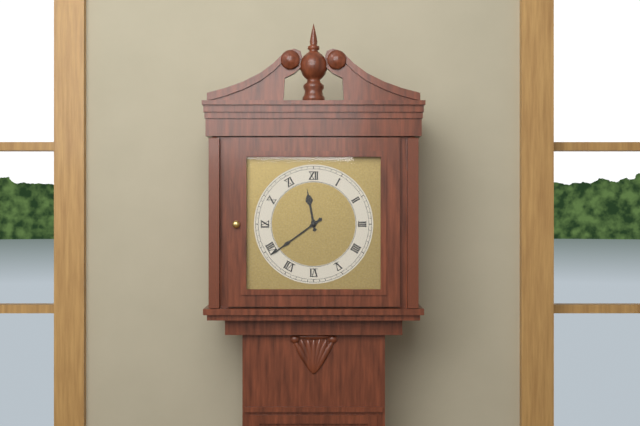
11h39
